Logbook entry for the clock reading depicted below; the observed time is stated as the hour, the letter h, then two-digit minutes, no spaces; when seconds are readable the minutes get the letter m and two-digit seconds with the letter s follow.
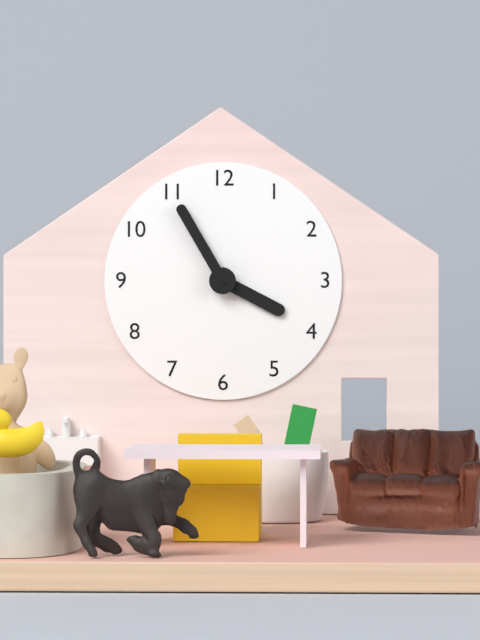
3h55
